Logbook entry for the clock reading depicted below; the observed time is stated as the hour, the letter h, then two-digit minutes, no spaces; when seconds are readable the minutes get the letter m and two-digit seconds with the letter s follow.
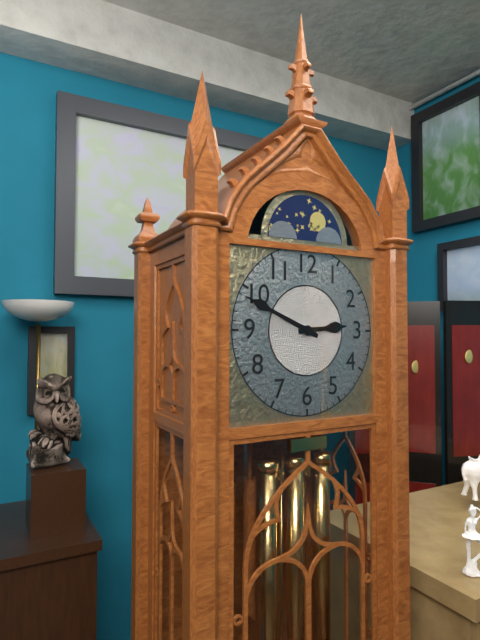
2h49
